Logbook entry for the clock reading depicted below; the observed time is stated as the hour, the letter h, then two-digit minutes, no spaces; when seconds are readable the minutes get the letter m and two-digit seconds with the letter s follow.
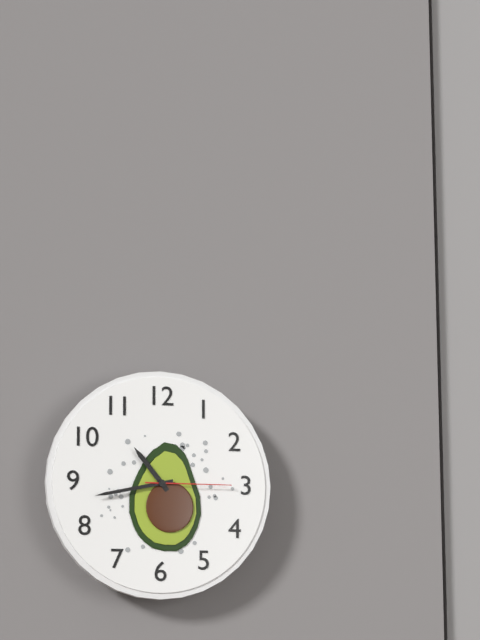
10h43m15s
